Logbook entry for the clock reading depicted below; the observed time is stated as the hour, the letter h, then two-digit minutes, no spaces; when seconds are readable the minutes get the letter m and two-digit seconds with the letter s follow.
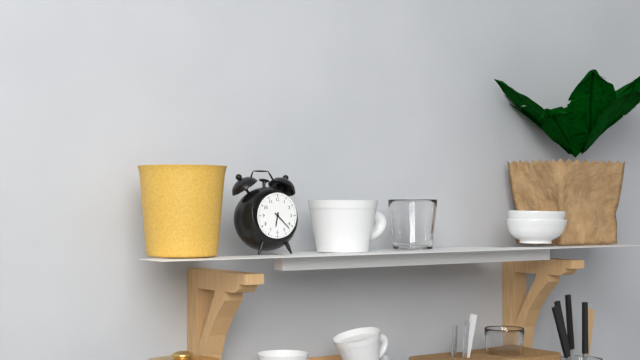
6h22
